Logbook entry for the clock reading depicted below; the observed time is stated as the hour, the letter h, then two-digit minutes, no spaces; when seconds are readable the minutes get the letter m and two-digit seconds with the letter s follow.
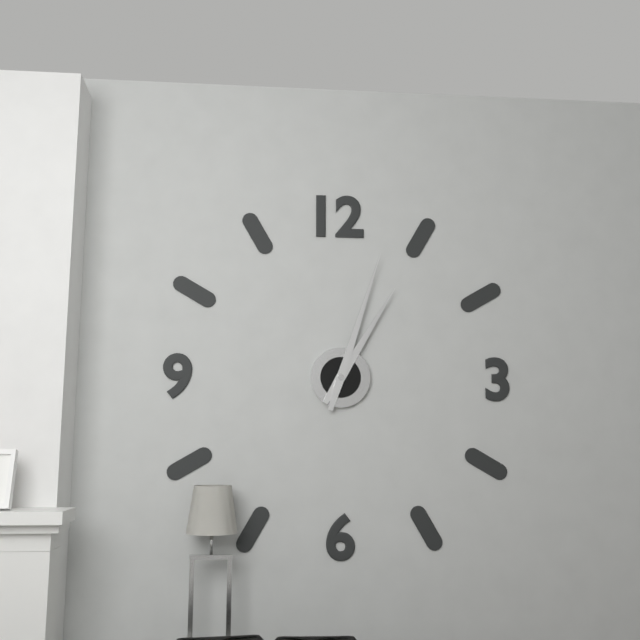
1h03
